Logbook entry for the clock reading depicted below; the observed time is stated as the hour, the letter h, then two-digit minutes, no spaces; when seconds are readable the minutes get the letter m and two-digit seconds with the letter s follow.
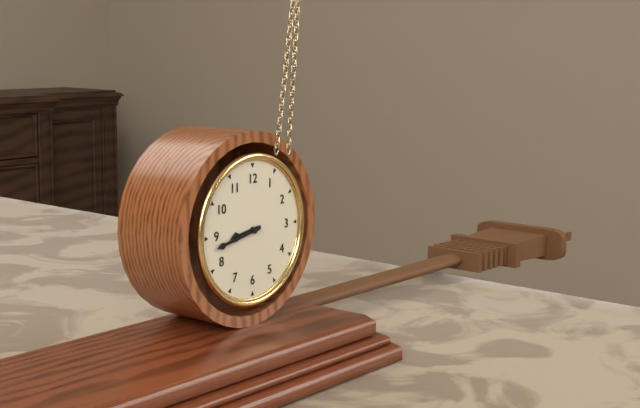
8h43
